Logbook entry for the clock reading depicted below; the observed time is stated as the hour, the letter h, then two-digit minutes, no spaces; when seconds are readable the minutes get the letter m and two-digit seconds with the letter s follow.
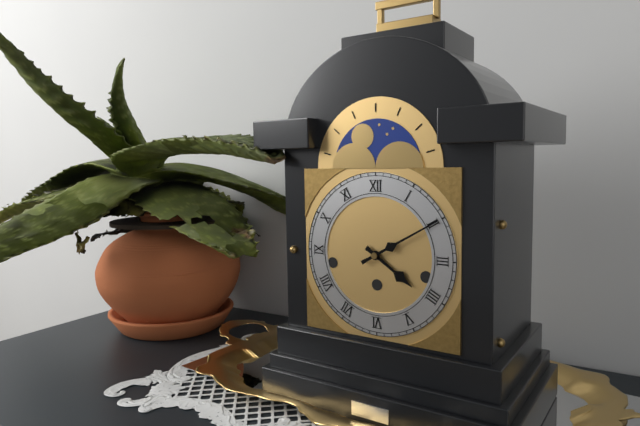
4h10
